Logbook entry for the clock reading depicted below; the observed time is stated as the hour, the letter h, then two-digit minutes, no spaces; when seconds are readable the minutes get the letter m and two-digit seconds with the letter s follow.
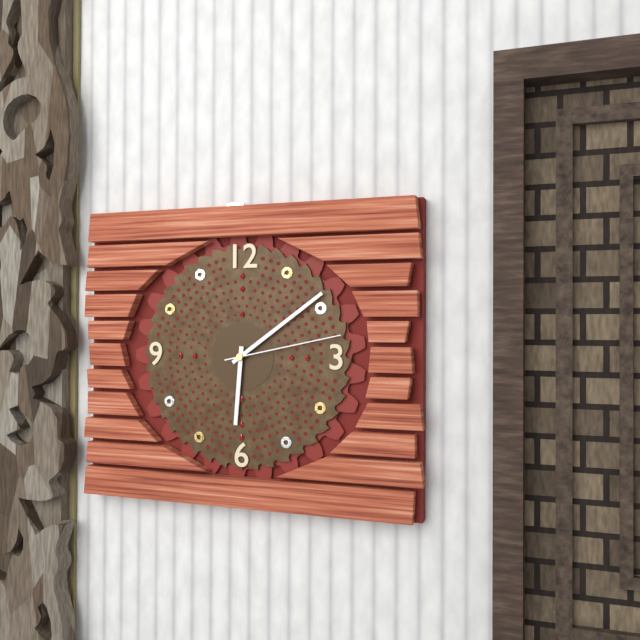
6h09m13s
